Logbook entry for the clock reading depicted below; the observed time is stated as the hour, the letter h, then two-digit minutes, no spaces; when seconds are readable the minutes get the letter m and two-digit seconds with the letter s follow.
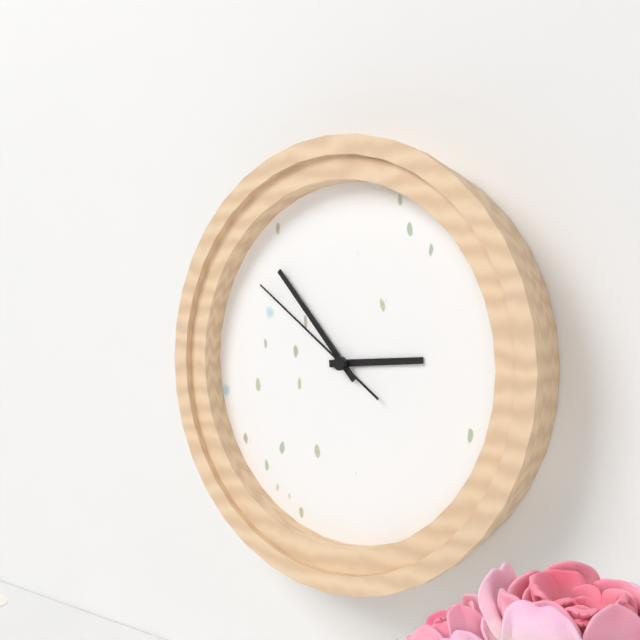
2h53m51s
